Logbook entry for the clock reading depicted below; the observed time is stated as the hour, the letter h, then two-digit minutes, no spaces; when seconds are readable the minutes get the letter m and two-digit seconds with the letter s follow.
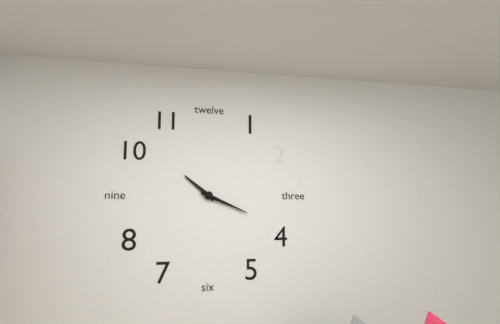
10h19
